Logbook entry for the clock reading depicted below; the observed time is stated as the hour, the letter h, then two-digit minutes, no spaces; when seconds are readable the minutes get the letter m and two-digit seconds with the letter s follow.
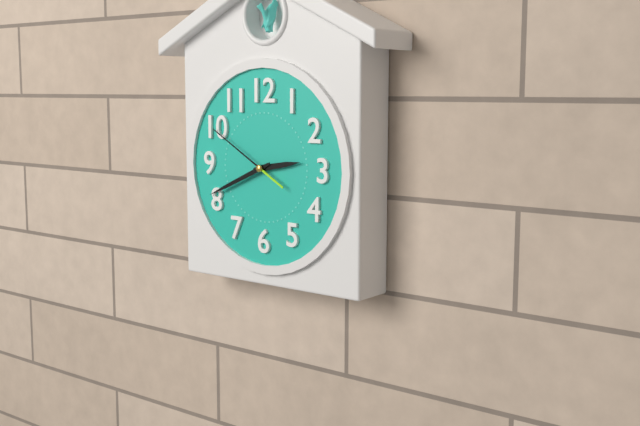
2h41m50s
